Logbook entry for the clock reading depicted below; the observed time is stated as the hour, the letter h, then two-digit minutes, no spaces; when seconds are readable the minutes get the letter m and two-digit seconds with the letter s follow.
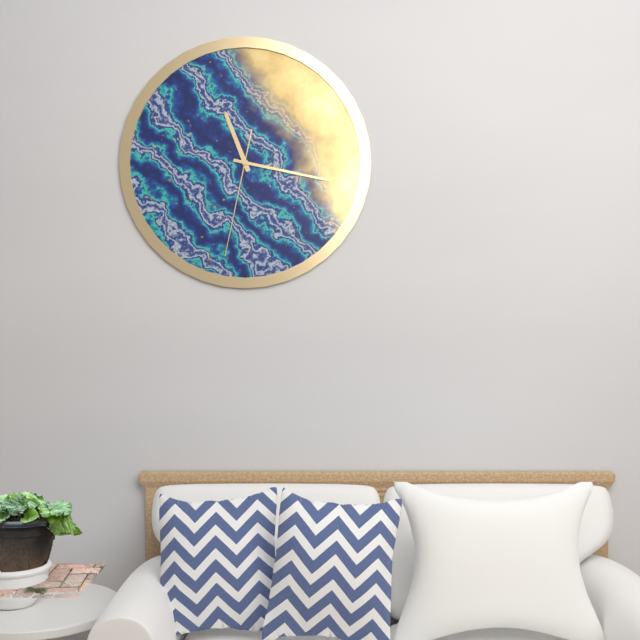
11h17m32s
